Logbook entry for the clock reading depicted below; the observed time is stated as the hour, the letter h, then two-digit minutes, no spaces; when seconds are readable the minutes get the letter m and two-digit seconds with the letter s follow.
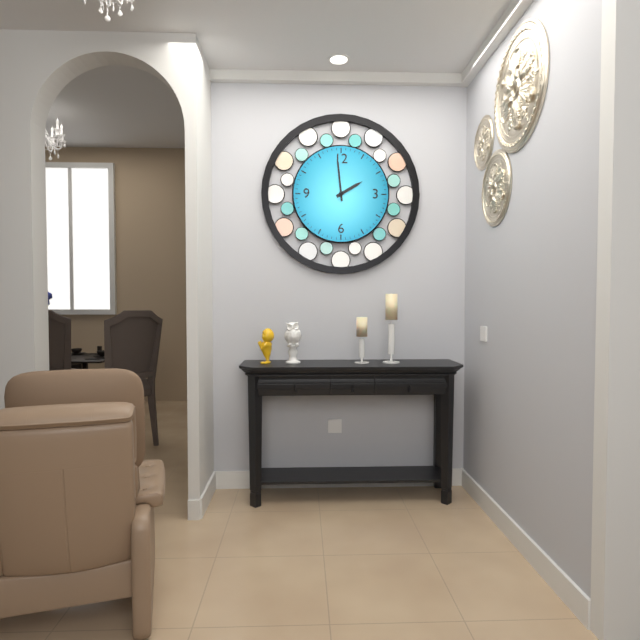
1h59
